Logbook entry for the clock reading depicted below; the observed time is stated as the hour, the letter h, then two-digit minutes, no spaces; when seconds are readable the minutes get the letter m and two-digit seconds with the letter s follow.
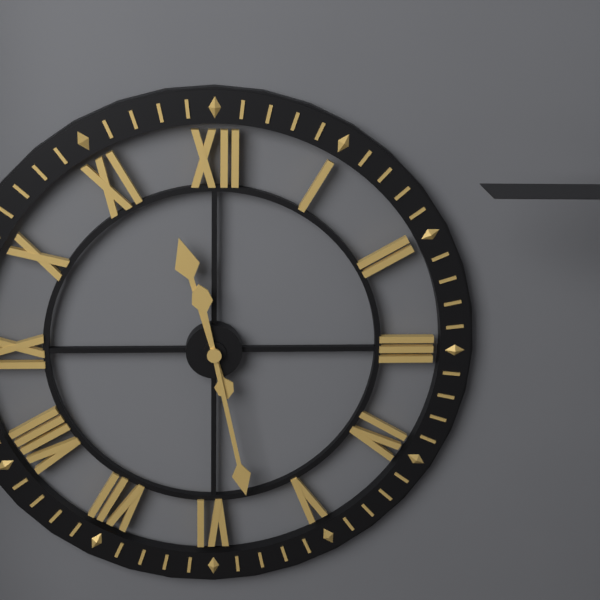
11h28
